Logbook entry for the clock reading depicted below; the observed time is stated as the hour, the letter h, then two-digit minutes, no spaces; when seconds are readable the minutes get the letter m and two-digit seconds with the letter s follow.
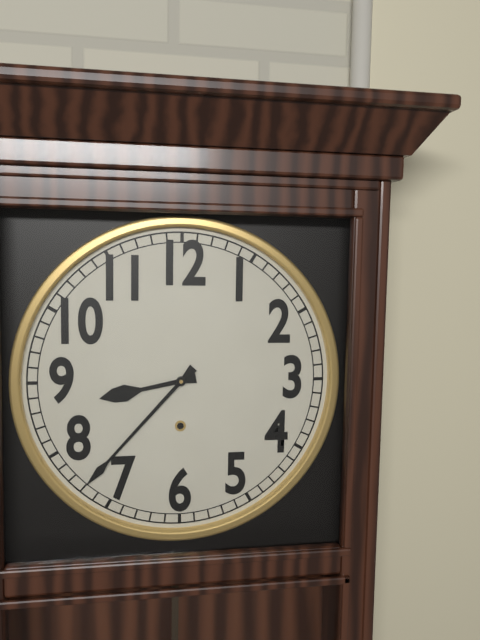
8h37
